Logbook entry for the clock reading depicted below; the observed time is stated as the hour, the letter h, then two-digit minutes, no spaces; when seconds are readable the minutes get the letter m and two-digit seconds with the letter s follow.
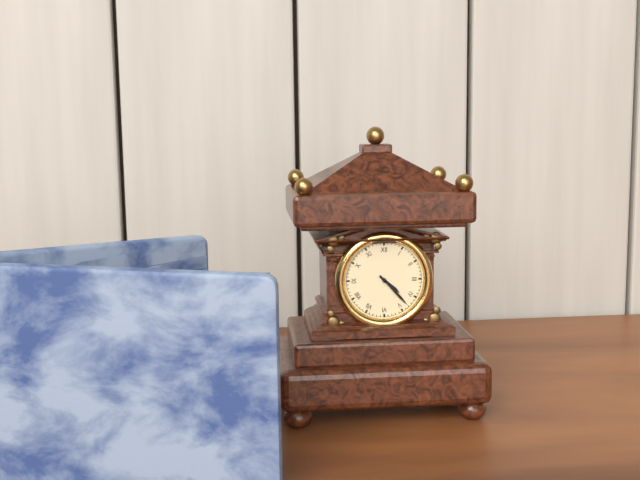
4h23
